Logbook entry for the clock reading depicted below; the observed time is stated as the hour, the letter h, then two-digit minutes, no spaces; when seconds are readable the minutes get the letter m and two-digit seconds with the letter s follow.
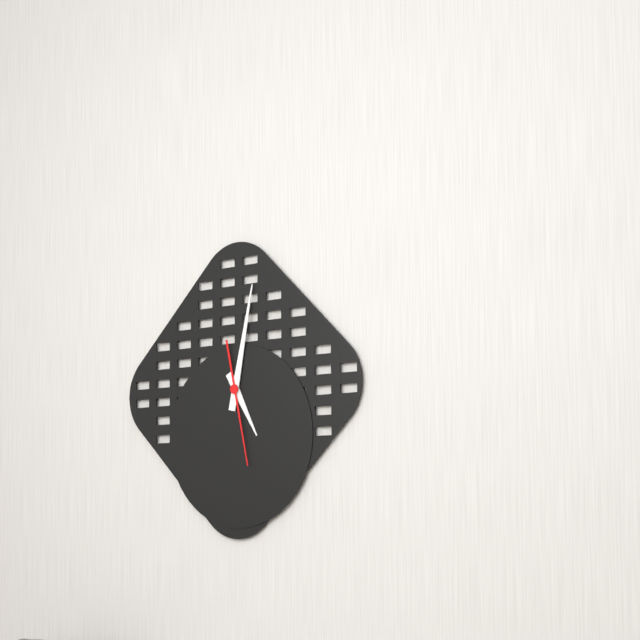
5h02m28s
